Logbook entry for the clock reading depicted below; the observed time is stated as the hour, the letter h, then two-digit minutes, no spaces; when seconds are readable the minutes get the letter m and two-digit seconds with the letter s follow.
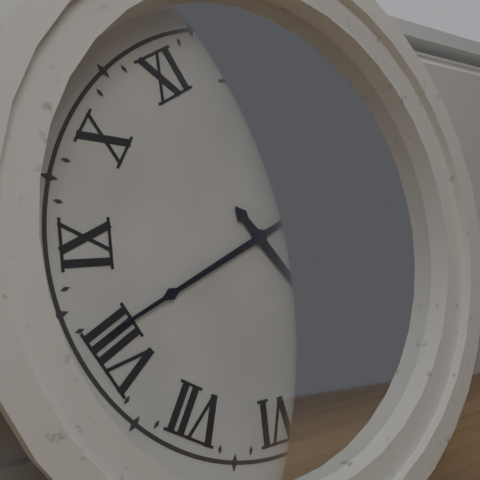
4h41
